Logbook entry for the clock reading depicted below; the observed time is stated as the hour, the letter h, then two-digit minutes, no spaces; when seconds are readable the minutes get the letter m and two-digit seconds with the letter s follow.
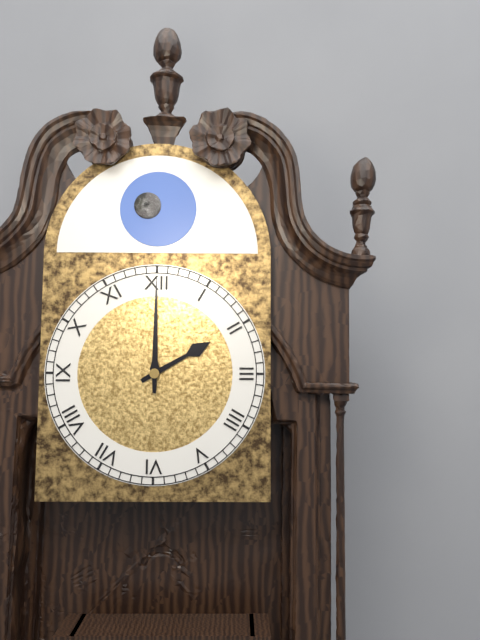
2h00
